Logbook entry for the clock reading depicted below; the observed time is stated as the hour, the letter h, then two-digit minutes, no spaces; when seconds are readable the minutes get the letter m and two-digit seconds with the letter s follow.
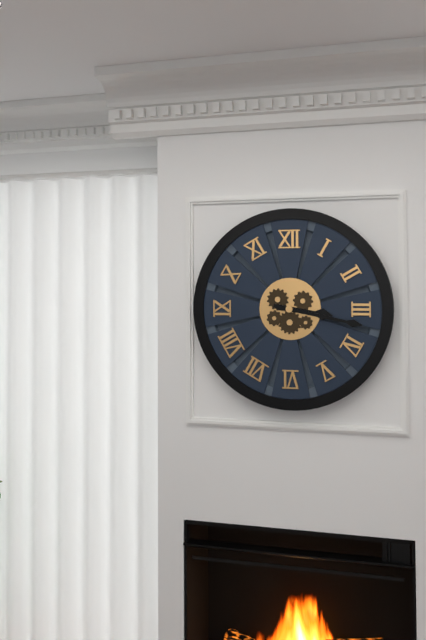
3h17
